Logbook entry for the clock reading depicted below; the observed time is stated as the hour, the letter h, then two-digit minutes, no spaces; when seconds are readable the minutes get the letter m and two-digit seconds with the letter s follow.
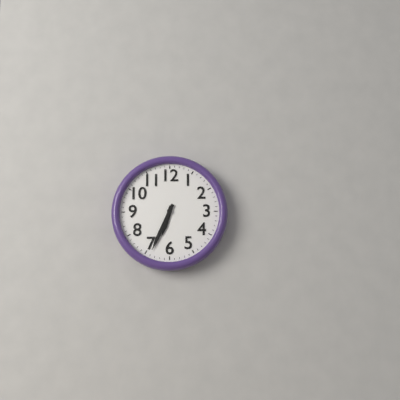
6h34
